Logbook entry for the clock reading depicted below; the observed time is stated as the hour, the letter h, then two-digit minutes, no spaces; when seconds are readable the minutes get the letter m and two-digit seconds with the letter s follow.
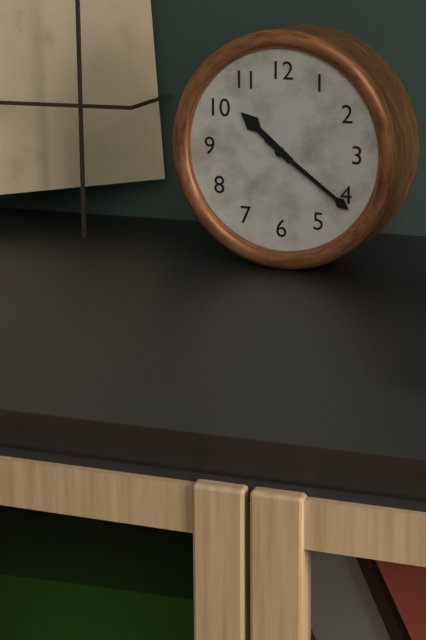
10h21
